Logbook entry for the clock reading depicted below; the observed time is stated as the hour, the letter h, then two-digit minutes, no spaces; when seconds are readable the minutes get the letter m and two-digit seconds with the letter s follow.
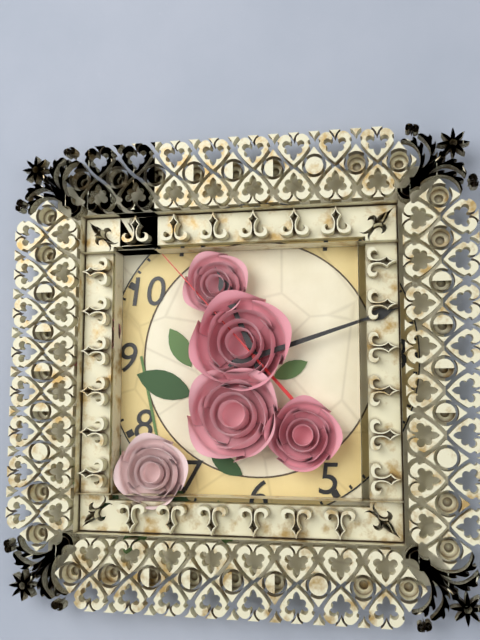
11h12m53s
